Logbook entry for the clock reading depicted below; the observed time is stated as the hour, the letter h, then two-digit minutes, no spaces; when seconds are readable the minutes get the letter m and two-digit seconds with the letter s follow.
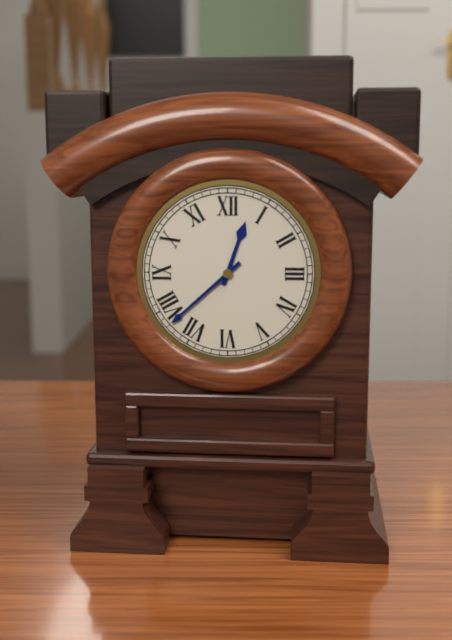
12h38
